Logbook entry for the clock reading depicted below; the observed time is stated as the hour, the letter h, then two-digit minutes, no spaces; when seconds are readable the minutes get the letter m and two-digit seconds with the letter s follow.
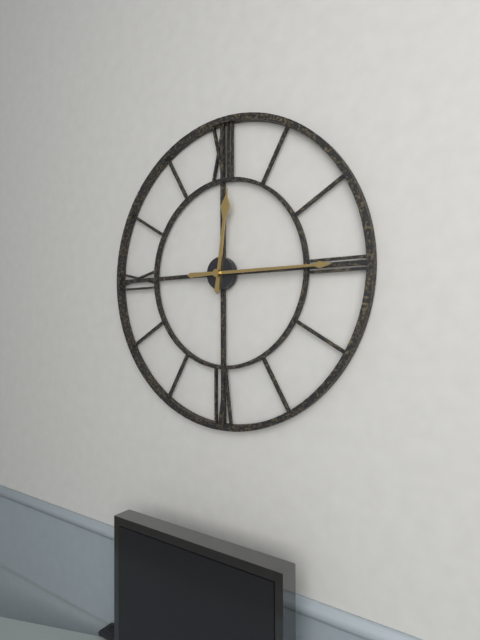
12h15
